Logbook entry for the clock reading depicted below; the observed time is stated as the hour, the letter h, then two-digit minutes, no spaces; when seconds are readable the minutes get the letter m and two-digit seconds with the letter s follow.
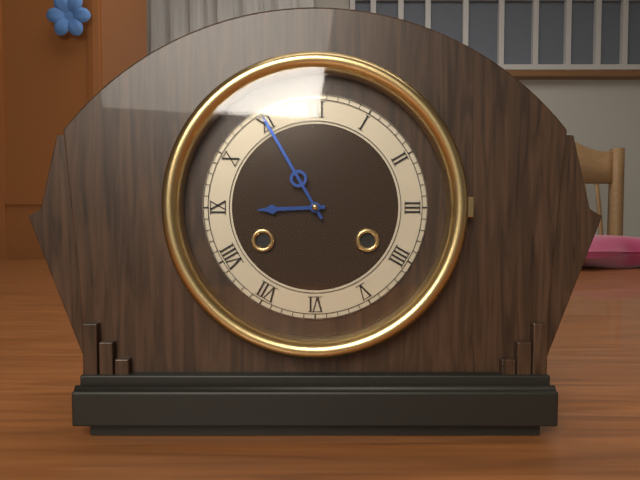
8h55
